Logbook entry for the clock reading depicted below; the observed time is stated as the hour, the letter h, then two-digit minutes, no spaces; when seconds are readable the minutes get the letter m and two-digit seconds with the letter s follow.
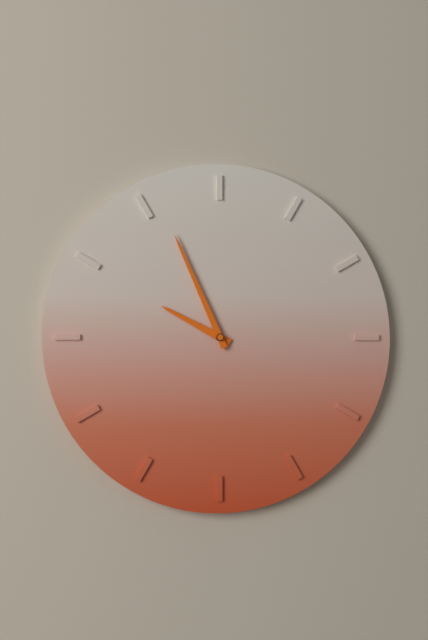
9h56
